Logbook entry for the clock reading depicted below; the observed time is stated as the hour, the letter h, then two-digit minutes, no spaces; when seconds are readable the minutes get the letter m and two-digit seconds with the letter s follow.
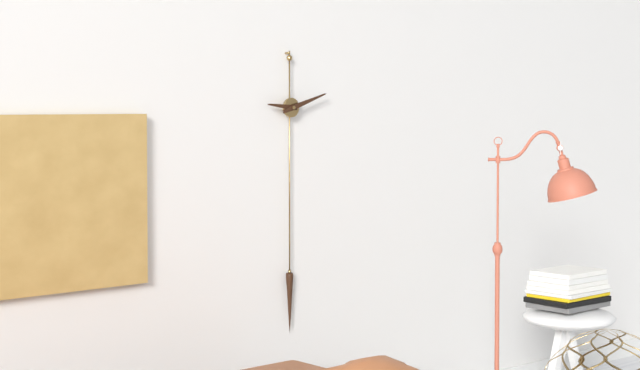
9h12
